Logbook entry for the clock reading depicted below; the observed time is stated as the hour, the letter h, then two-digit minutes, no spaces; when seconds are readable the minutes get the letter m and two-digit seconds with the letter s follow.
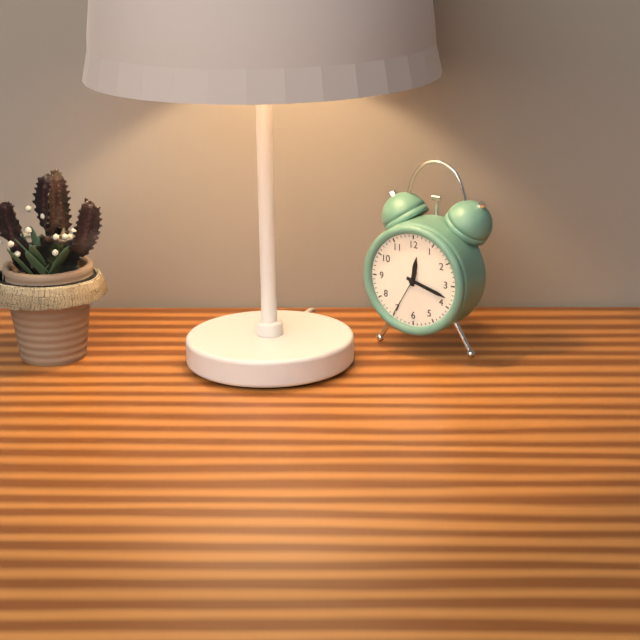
12h18
